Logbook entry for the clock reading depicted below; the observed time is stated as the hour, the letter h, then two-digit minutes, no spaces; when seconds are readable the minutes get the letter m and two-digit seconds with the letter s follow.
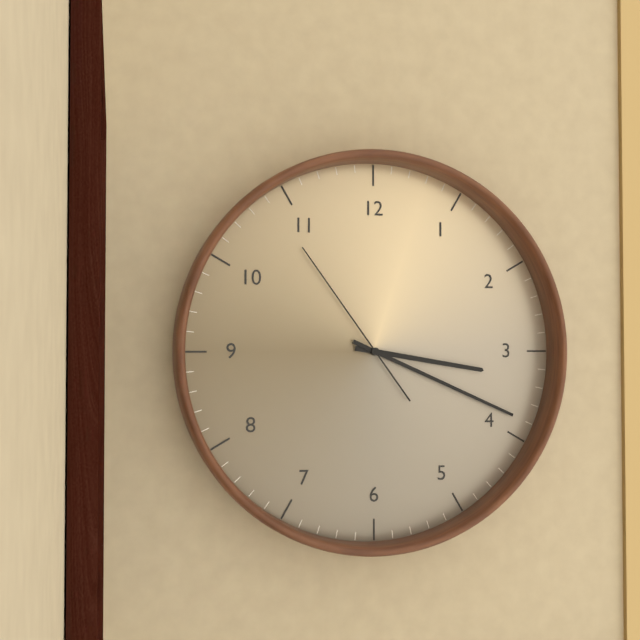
3h19m54s
